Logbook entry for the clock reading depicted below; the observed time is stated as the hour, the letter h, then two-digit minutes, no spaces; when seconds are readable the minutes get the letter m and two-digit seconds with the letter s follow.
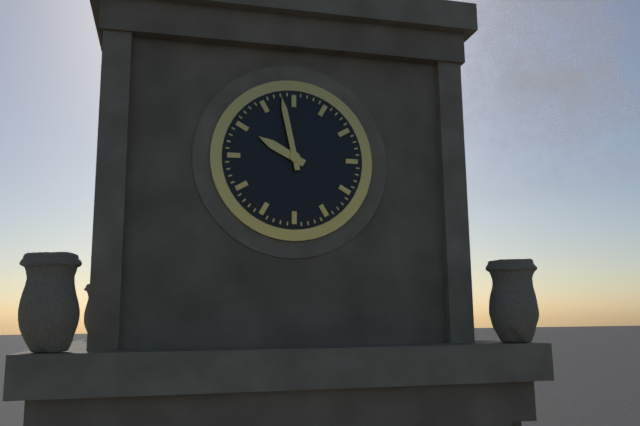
9h58
